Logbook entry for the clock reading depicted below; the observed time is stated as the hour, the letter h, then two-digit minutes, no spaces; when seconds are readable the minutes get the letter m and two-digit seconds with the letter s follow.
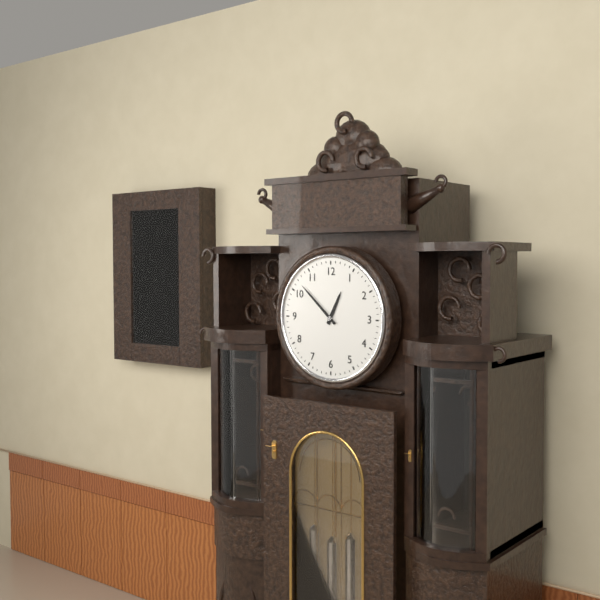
12h52
